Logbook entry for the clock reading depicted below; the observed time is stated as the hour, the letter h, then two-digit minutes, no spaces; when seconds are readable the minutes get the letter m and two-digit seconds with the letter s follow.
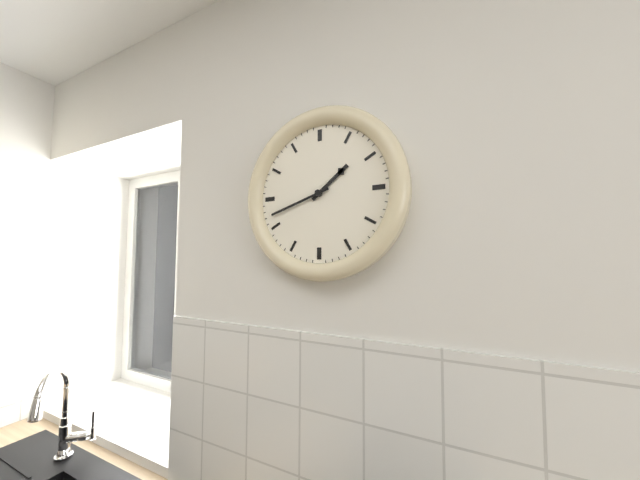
1h42
